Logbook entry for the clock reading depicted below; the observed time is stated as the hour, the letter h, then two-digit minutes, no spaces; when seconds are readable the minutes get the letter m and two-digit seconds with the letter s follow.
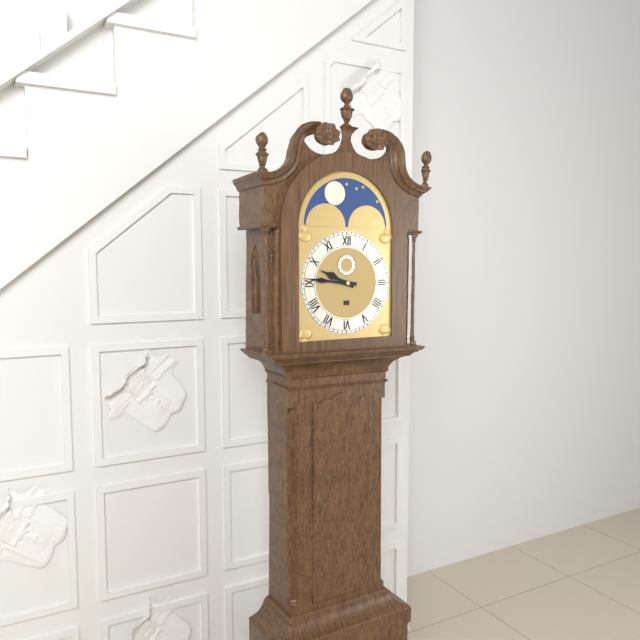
9h46
